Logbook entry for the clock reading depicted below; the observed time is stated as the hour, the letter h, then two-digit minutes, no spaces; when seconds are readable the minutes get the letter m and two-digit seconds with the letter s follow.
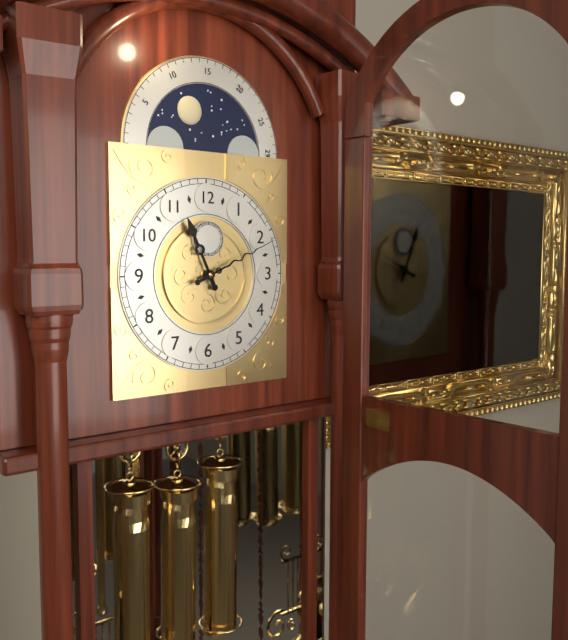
11h11
